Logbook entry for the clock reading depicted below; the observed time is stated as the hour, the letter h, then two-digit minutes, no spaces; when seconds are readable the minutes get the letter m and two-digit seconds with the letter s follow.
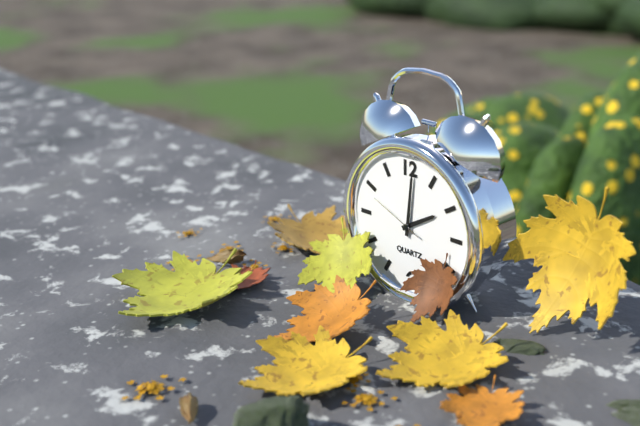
2h01m49s
